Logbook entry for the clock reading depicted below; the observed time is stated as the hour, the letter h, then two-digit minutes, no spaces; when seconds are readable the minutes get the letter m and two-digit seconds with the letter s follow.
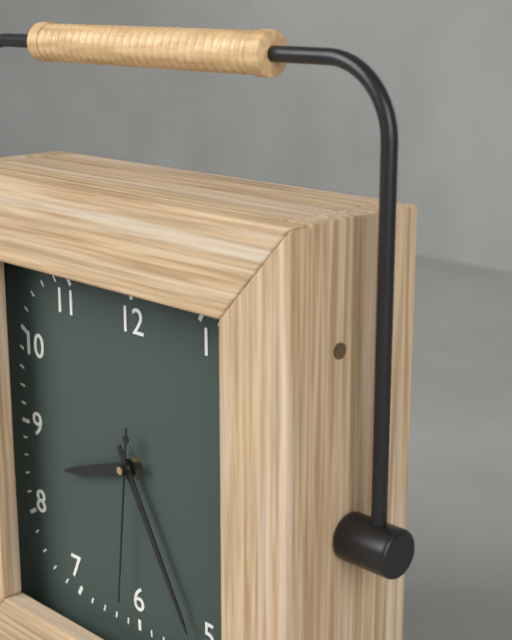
8h25m31s
